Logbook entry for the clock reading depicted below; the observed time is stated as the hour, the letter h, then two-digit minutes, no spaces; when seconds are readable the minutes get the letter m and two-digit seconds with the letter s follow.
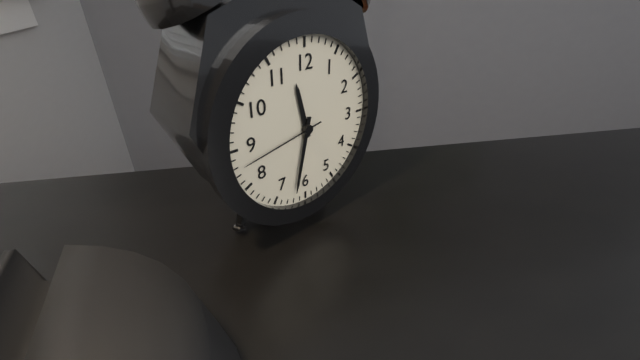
11h32m43s
